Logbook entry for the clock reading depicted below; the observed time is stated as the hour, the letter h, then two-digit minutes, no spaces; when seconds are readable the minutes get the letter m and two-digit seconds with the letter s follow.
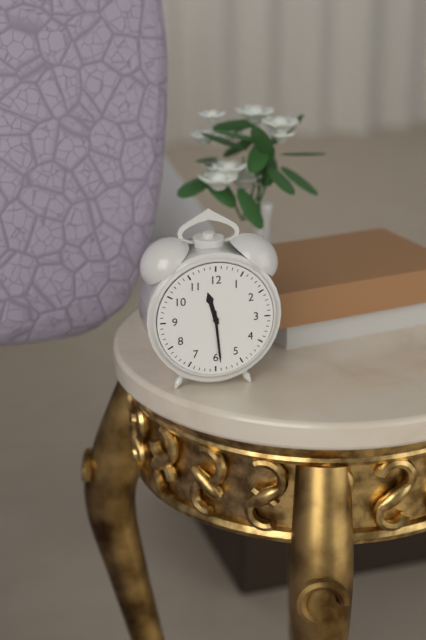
11h29
